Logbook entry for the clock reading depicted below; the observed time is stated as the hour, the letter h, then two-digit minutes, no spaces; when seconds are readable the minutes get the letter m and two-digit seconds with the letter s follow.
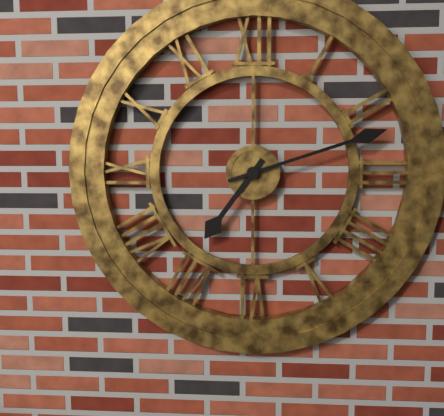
7h12
